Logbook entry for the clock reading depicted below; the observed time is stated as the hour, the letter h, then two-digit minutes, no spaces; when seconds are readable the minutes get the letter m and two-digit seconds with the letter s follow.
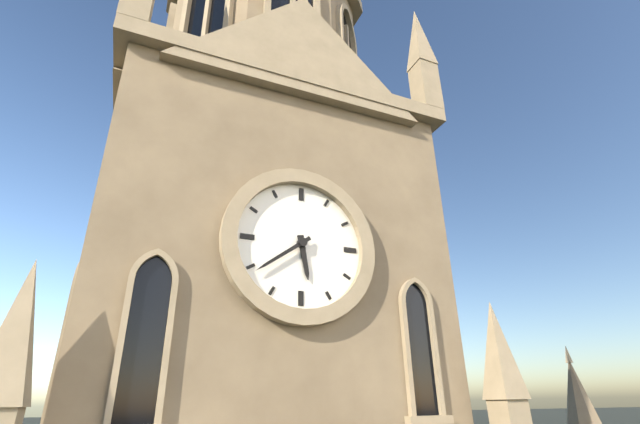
5h39
